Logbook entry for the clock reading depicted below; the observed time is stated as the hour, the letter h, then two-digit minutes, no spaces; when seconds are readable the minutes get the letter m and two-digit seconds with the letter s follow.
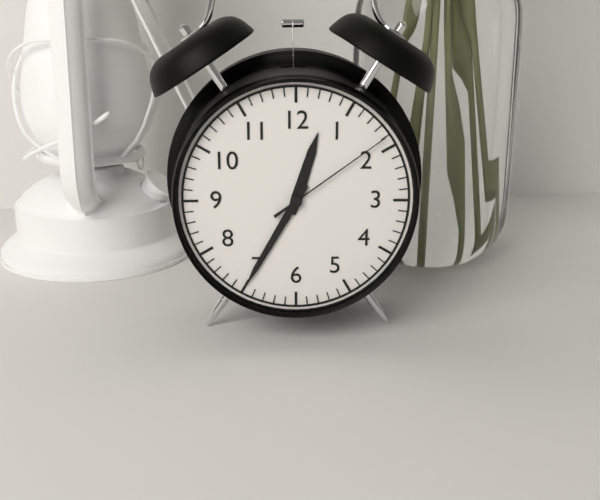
12h35m09s
